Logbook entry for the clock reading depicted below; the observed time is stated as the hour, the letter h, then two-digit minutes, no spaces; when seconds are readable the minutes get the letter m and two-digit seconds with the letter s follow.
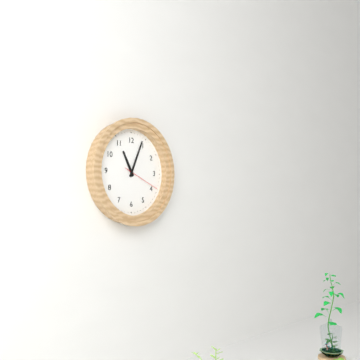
11h04
